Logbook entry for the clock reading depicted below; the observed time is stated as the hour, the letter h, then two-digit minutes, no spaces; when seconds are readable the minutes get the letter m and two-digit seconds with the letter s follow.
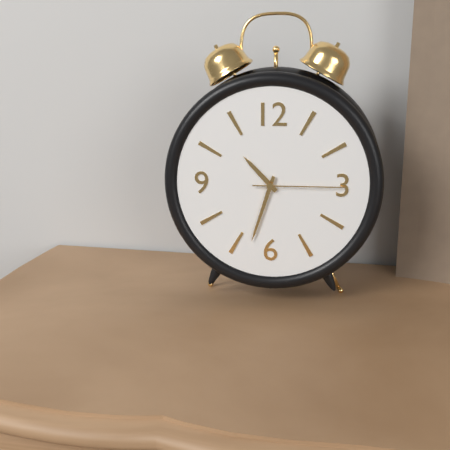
10h33m15s
